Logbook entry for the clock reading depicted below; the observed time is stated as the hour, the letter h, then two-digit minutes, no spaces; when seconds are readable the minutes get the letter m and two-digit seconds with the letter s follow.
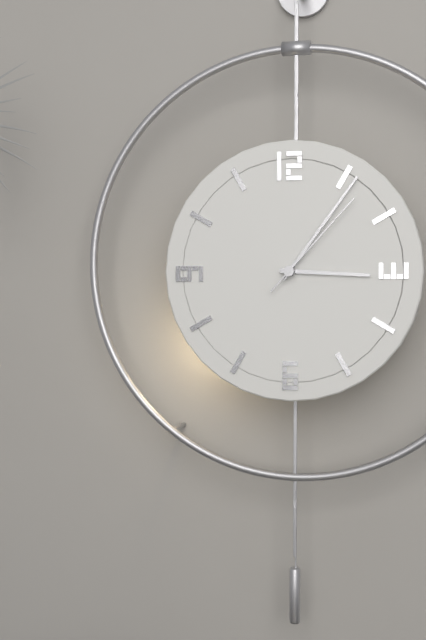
3h06m07s
